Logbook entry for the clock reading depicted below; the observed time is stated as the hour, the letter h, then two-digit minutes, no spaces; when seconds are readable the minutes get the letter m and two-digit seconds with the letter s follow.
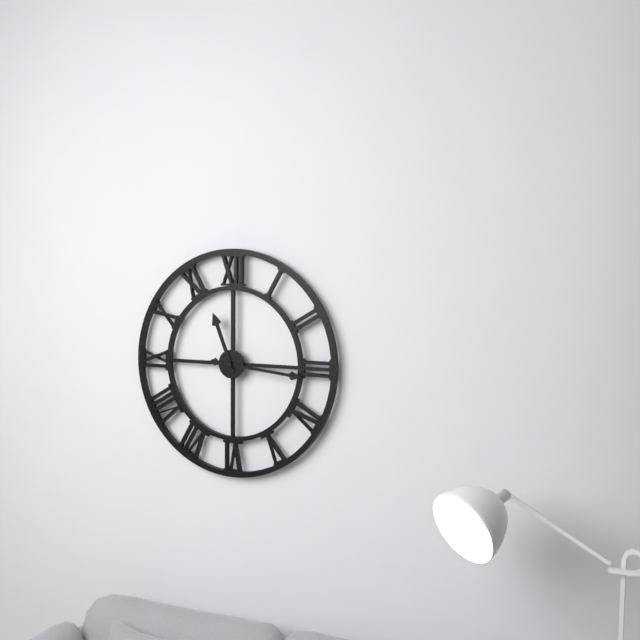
11h16
